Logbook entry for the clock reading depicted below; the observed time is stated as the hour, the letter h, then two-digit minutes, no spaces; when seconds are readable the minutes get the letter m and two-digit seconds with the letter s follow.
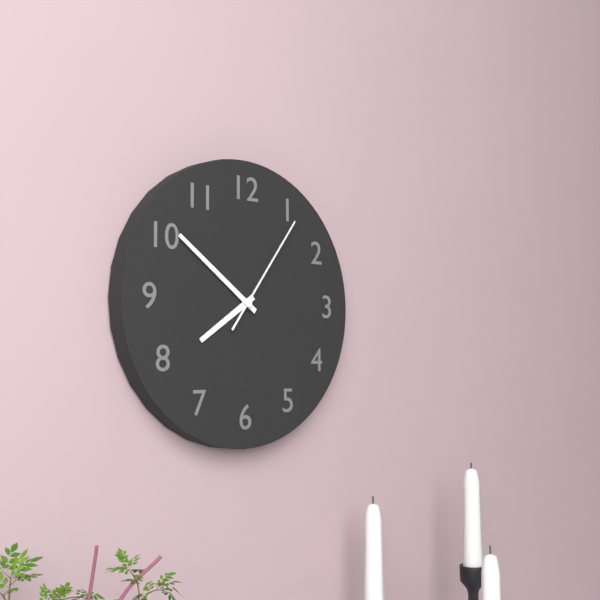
7h51m06s
